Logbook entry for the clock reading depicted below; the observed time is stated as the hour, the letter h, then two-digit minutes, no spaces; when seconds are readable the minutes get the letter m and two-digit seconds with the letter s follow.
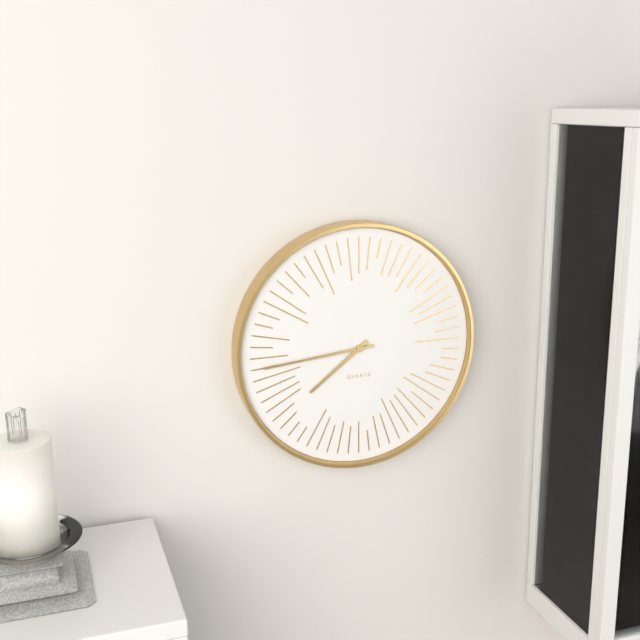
7h44
